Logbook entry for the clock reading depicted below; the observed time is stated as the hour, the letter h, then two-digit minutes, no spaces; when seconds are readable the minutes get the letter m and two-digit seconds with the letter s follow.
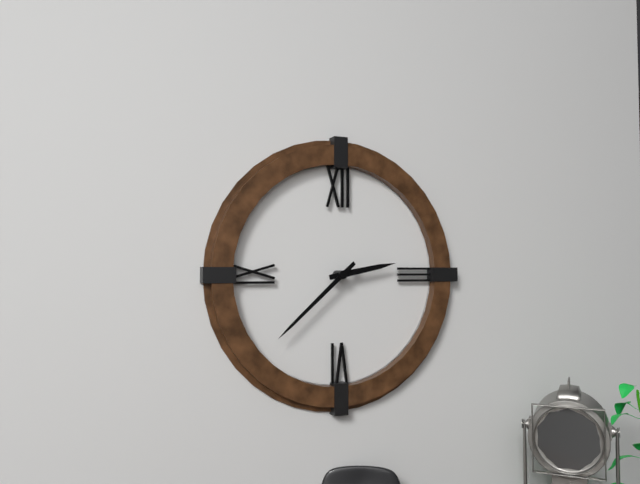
2h38
